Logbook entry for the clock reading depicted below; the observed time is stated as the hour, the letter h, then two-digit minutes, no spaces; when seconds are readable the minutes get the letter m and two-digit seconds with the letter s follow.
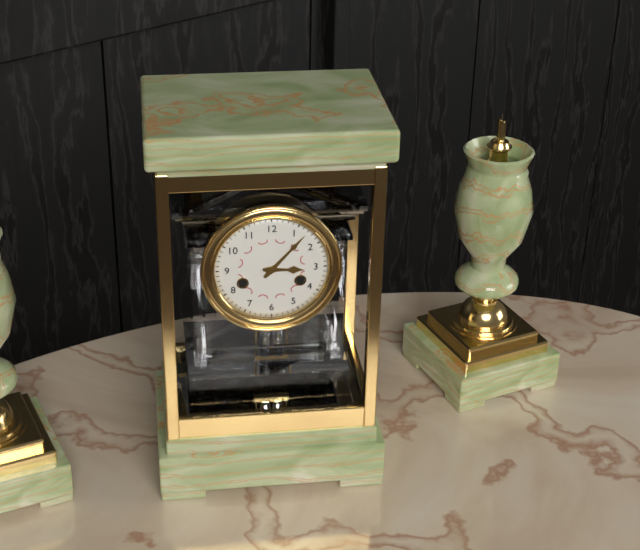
3h07
